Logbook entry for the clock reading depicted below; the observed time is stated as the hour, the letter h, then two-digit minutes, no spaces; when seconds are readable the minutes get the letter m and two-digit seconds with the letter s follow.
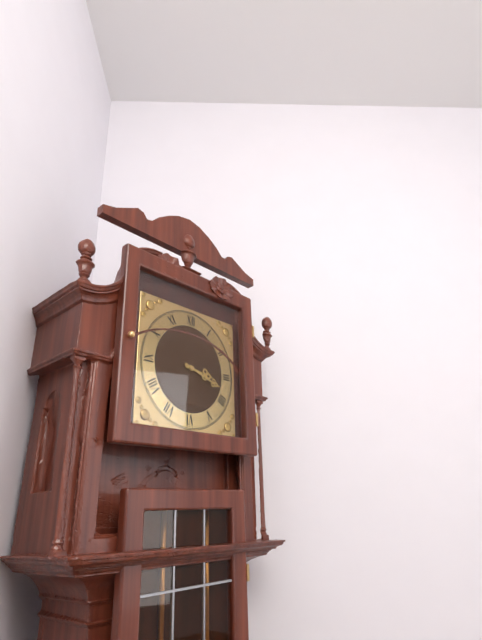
3h18
